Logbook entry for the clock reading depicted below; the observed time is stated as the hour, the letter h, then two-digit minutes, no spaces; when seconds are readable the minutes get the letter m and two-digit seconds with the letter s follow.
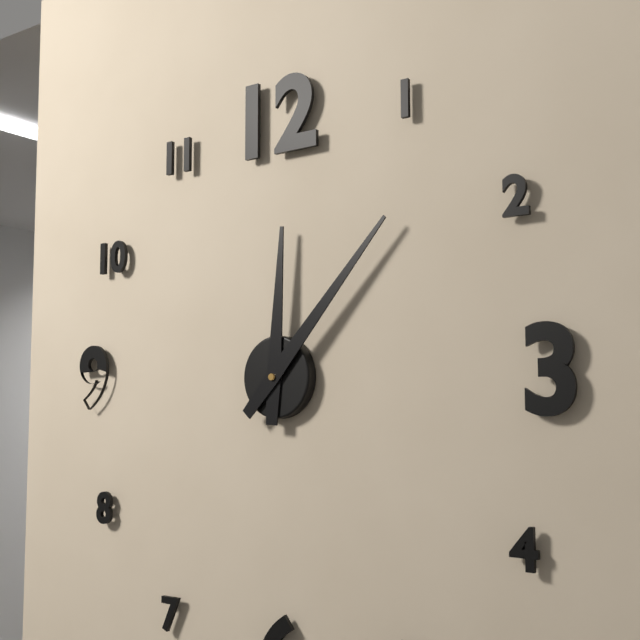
12h07
